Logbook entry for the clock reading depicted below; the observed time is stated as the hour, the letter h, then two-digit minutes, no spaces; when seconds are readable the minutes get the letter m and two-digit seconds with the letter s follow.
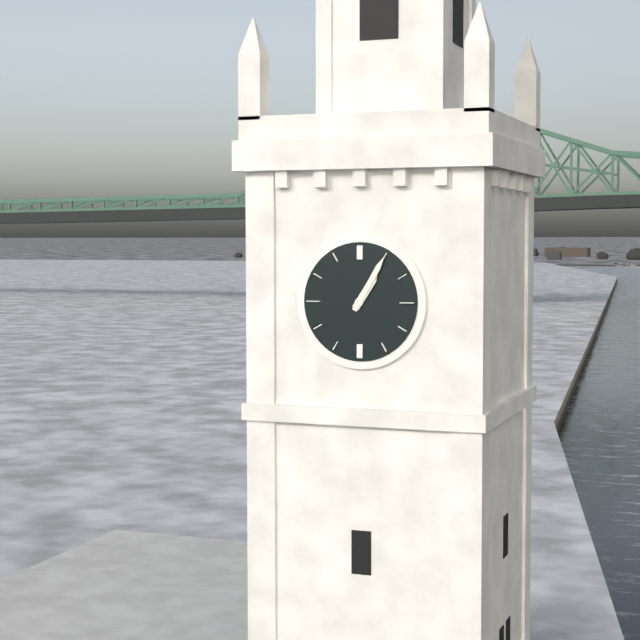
1h05
